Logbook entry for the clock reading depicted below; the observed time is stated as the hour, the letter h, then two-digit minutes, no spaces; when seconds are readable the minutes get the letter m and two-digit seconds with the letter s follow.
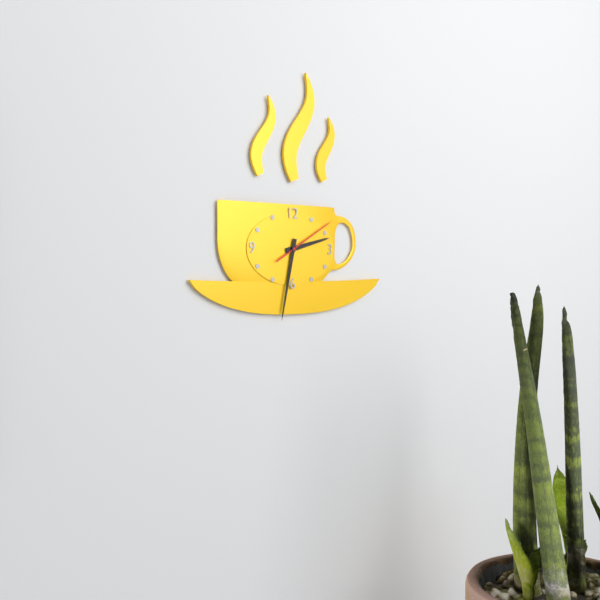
2h32m10s
